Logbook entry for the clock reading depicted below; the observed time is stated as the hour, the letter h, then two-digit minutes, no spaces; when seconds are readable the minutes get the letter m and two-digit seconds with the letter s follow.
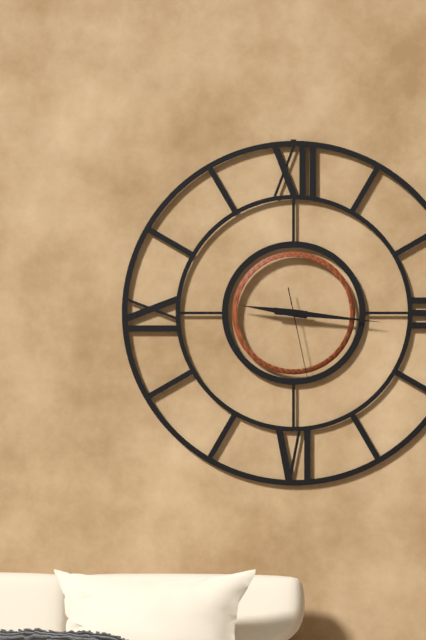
9h16m28s
